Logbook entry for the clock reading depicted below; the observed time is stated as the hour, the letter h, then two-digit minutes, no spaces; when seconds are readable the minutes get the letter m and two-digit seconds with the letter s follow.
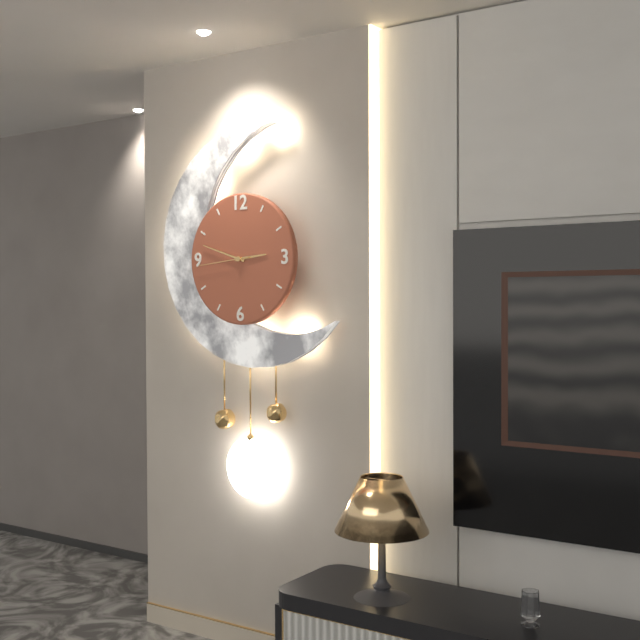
2h48m44s
